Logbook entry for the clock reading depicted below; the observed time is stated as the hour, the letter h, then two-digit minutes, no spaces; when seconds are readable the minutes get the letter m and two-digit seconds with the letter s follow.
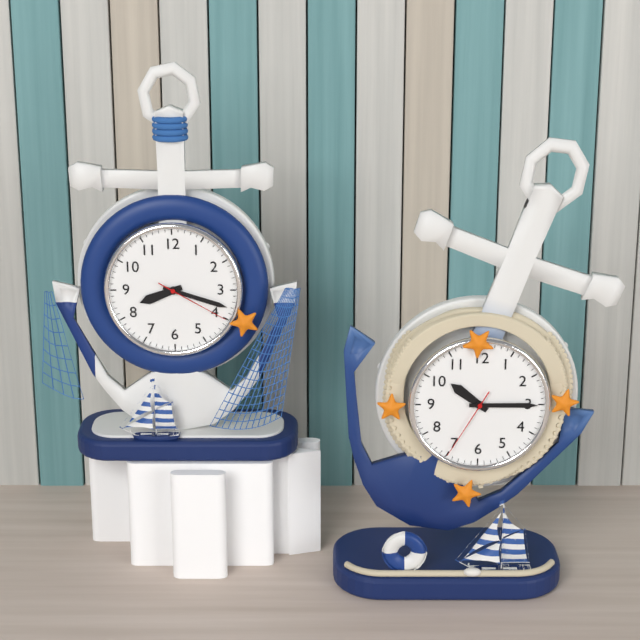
8h18m20s
